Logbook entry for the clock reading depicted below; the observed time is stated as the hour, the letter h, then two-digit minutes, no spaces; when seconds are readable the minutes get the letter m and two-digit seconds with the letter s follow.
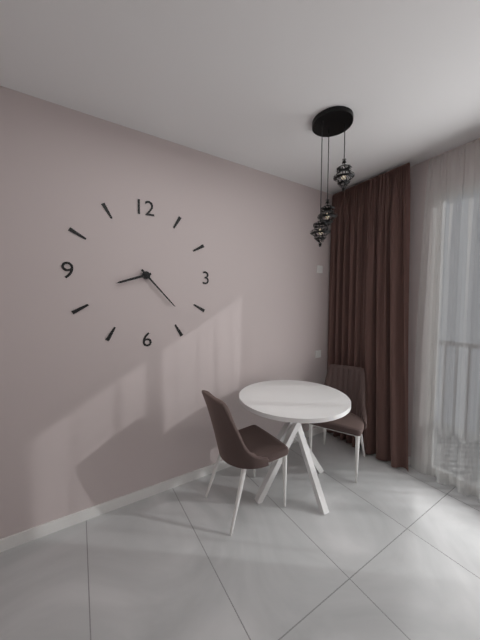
8h23
